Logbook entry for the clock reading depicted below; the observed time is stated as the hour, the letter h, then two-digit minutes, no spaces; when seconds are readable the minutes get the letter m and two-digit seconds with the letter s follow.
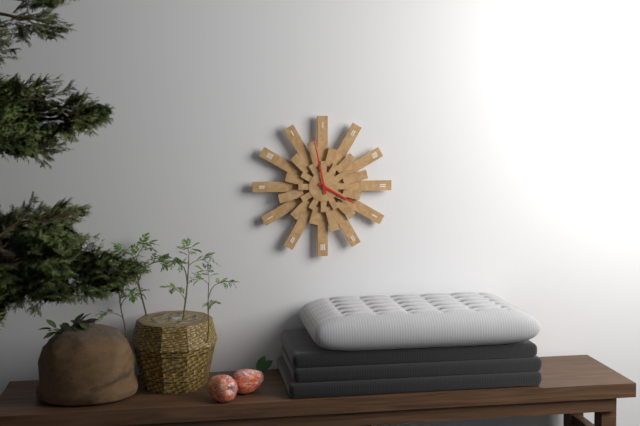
3h58
